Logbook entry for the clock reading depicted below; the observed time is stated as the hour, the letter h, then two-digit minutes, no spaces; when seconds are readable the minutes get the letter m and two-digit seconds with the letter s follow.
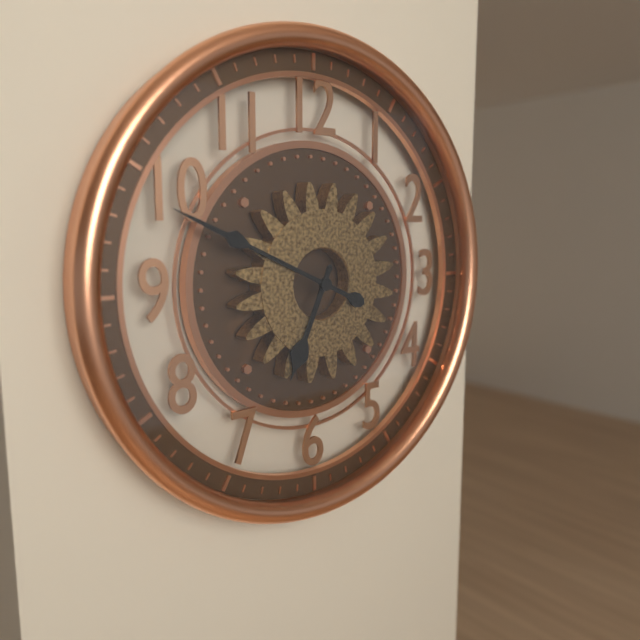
6h49
